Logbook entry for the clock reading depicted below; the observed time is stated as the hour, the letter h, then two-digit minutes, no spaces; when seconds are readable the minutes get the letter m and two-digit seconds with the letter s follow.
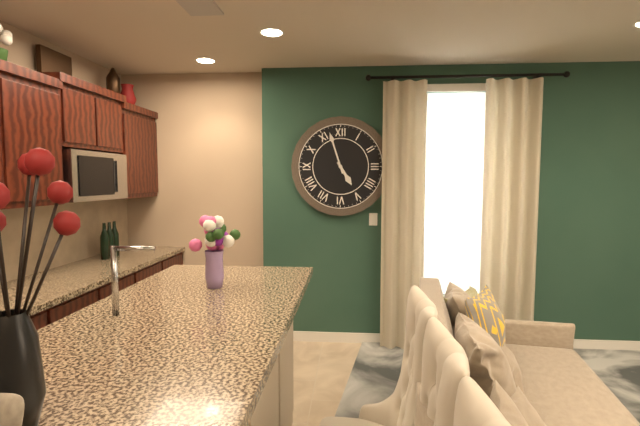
4h57
